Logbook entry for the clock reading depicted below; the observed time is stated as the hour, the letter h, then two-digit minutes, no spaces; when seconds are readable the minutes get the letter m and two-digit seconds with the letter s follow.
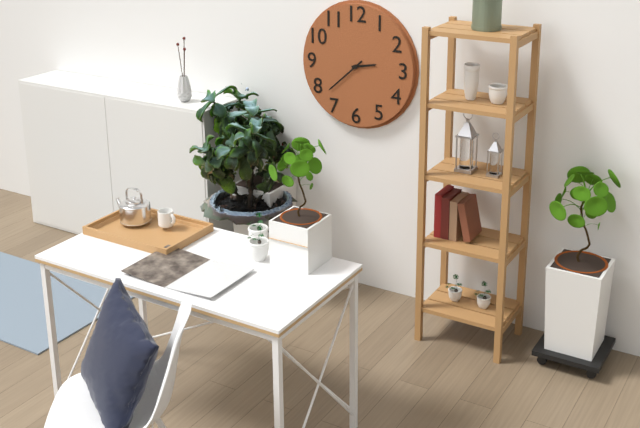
2h38
